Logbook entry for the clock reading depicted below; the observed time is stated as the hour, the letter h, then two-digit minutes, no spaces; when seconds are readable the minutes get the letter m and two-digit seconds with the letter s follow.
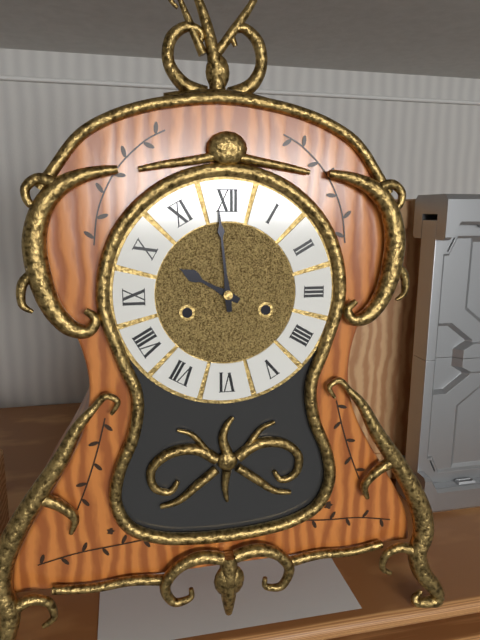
9h59
